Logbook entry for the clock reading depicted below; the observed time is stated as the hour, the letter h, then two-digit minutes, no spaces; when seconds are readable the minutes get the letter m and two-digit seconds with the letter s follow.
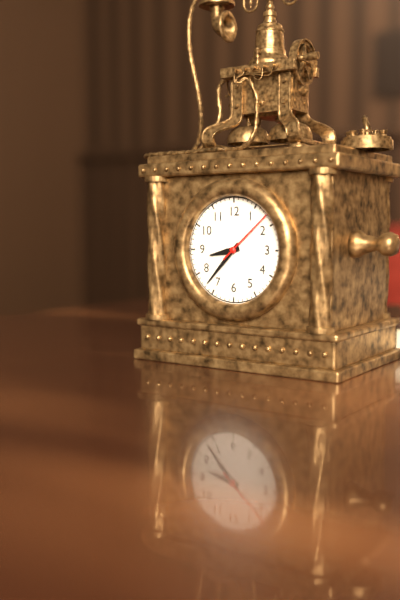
8h37m08s
